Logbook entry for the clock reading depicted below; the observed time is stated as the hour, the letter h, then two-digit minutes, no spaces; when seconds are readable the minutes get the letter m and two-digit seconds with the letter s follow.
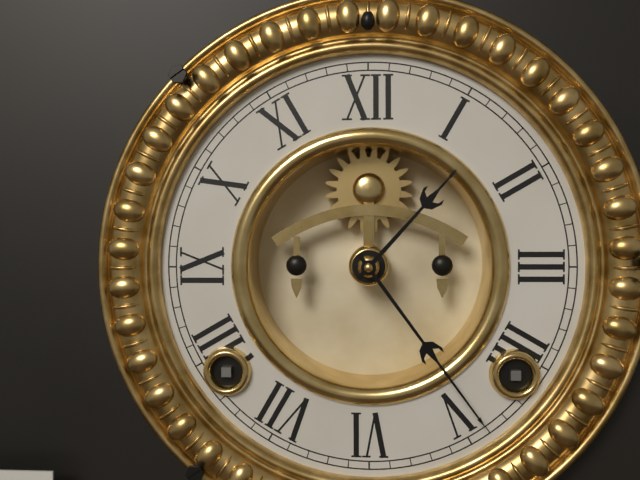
1h24
